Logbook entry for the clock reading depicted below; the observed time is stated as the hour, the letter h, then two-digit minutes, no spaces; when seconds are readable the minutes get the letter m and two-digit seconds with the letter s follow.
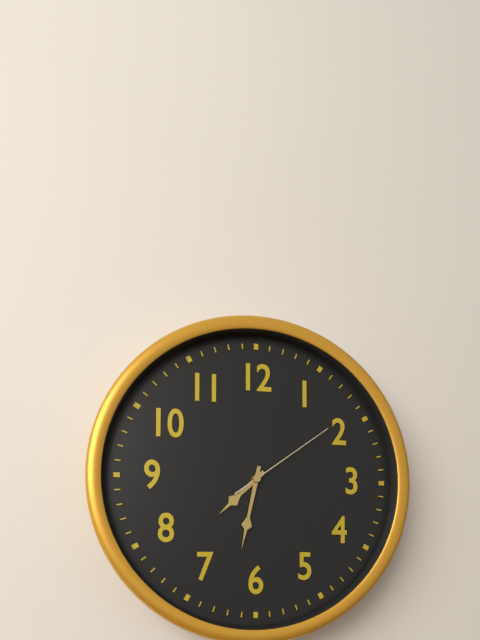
7h32m09s
